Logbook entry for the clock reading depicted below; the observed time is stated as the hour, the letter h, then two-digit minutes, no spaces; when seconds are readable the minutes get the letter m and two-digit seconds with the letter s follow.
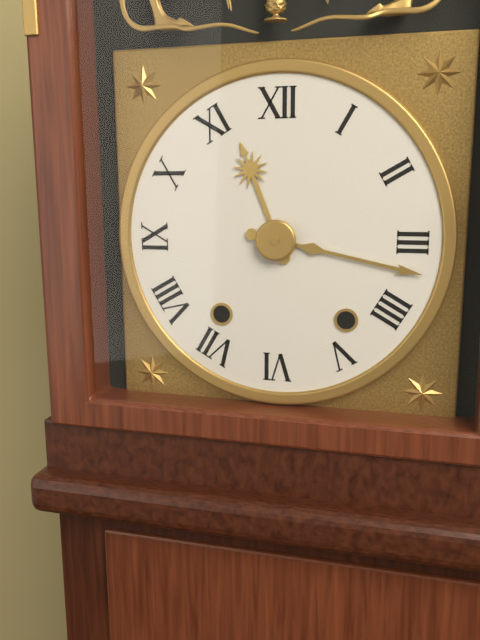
11h17
